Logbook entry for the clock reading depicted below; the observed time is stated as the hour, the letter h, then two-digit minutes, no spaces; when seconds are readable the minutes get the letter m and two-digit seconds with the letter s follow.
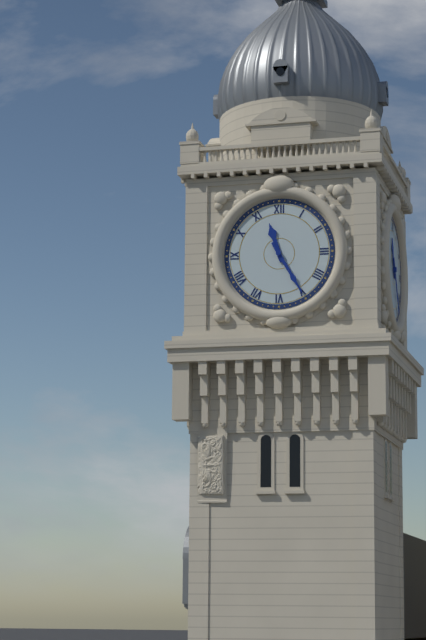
11h25
